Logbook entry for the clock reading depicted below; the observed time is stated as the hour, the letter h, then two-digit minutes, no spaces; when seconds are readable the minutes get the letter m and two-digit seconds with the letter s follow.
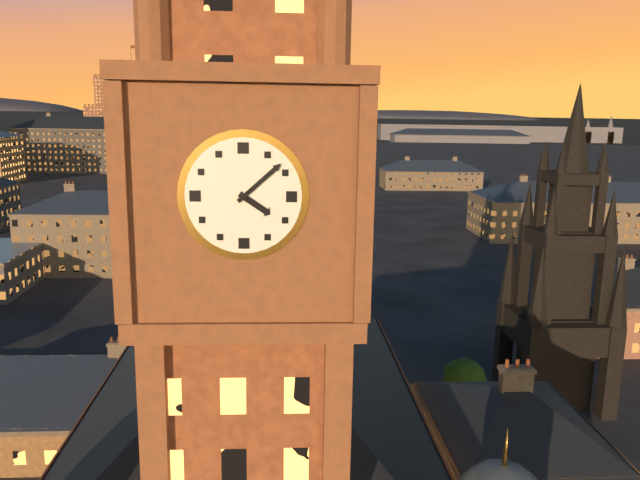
4h08
